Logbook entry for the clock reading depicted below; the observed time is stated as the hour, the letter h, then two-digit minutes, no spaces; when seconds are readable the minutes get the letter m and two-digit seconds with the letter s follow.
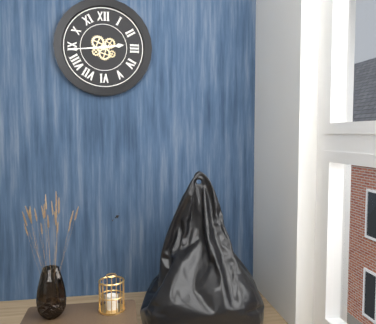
2h44
